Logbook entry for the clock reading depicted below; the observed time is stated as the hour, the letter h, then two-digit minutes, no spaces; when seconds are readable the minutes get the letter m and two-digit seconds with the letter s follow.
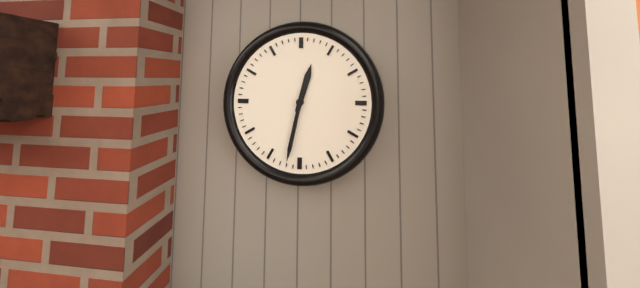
12h32
